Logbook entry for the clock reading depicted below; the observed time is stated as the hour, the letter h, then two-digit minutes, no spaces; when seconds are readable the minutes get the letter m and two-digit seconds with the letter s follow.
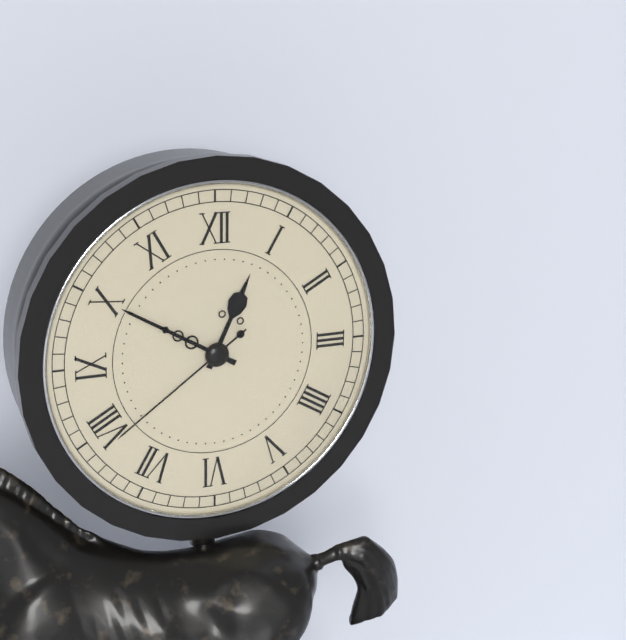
12h50m39s
